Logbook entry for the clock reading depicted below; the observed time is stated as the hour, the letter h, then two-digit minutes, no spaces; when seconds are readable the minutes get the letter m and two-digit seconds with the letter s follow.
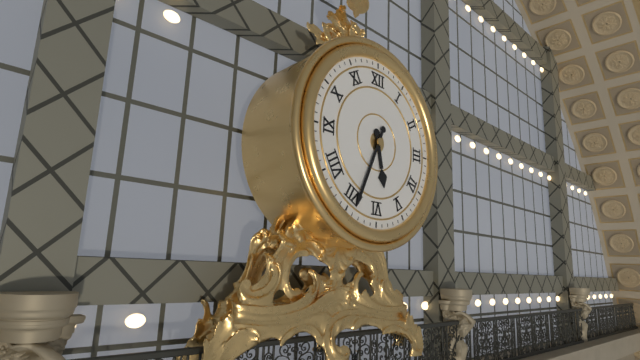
5h34
